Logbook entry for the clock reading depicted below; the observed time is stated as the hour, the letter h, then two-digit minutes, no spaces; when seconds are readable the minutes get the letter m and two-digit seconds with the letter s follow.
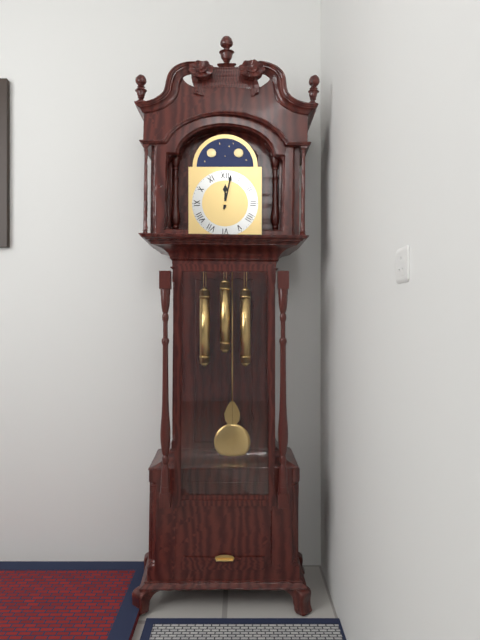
12h02
